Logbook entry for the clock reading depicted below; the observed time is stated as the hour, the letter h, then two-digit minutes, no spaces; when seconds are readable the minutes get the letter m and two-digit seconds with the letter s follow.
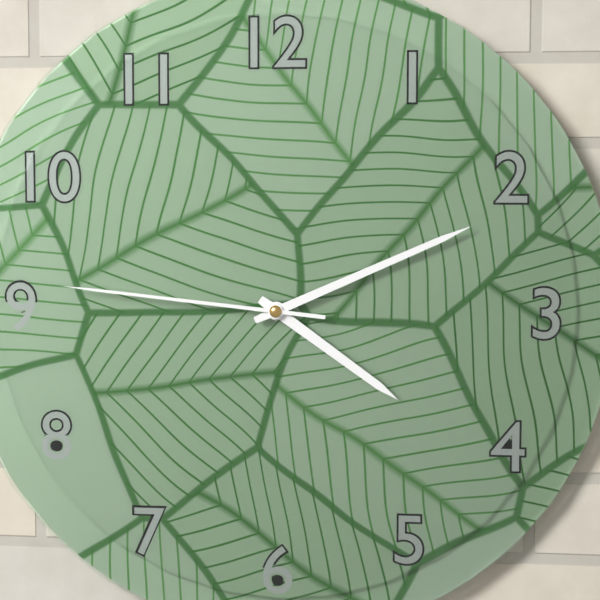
4h11m46s
